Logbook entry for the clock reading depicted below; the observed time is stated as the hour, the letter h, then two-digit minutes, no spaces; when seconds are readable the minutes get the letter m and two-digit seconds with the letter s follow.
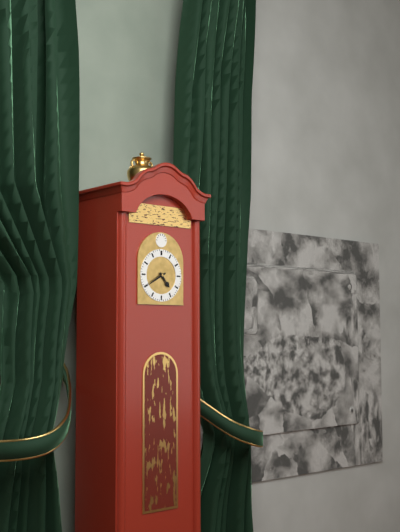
4h40
